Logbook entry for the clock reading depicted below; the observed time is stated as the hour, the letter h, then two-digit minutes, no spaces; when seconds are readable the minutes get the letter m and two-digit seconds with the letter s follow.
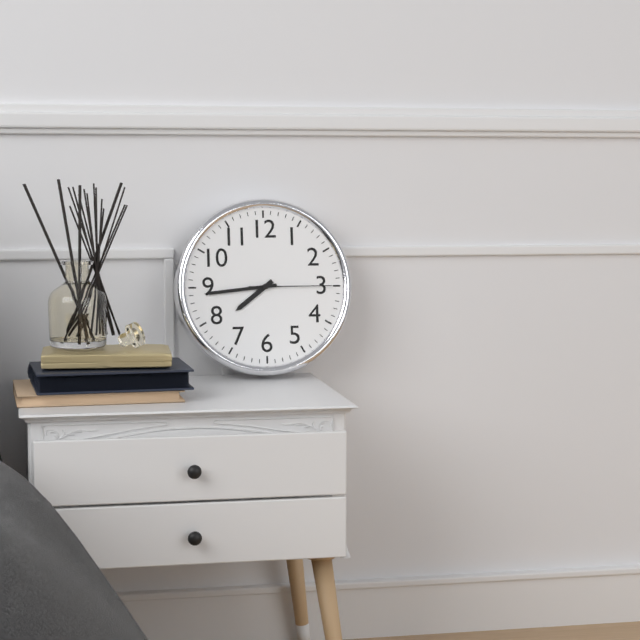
7h44m15s
